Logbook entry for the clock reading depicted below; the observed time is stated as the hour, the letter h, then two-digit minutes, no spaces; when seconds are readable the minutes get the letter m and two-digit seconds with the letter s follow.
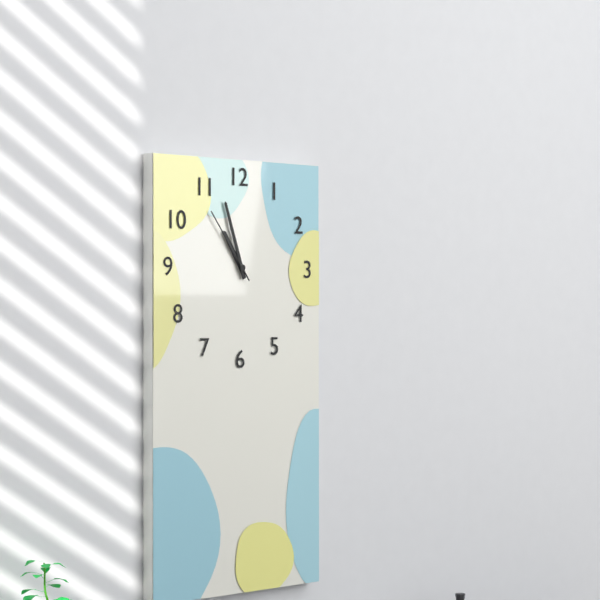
10h57m54s
